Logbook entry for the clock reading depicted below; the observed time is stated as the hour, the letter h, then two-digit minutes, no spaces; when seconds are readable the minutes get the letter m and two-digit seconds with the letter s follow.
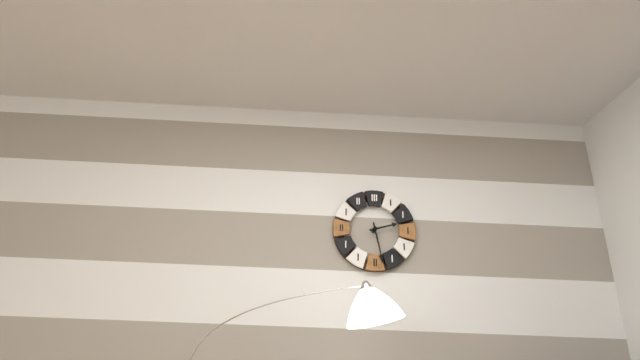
2h28
